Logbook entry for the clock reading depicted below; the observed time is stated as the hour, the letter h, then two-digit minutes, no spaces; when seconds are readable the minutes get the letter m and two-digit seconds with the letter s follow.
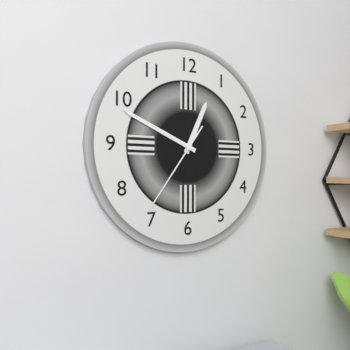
12h49m36s
